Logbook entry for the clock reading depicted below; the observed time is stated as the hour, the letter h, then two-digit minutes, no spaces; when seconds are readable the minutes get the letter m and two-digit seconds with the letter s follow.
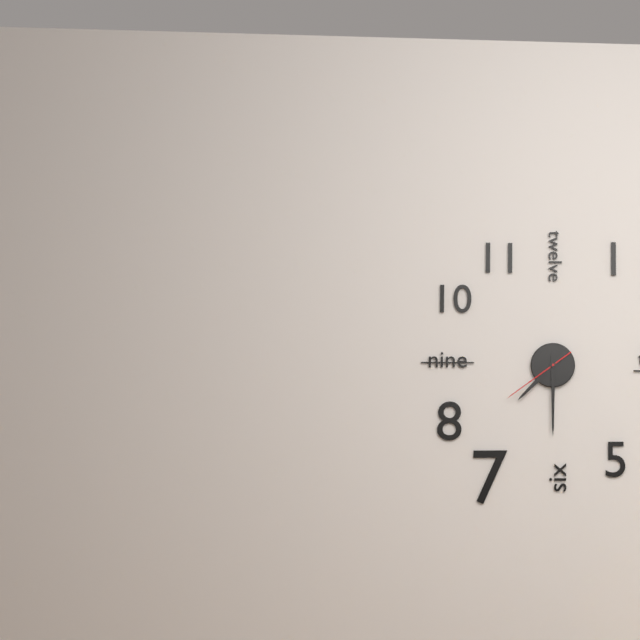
7h30m39s
